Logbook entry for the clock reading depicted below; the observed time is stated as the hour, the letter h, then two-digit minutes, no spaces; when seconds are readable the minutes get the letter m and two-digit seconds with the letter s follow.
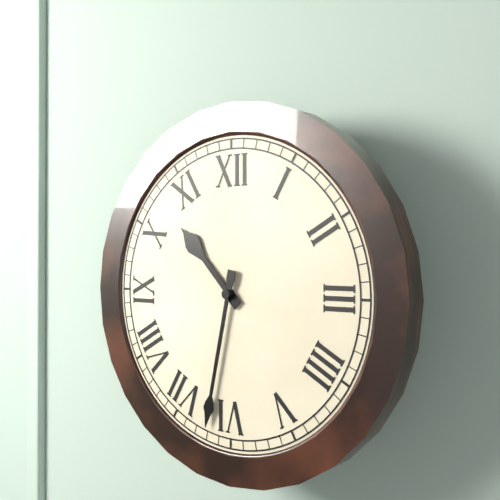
10h32
